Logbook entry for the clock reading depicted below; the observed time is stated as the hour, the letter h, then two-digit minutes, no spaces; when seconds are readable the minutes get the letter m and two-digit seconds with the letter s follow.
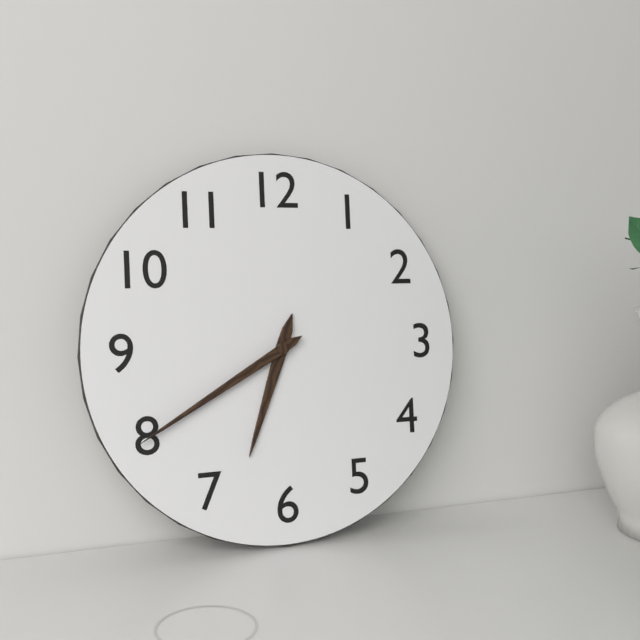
6h40
